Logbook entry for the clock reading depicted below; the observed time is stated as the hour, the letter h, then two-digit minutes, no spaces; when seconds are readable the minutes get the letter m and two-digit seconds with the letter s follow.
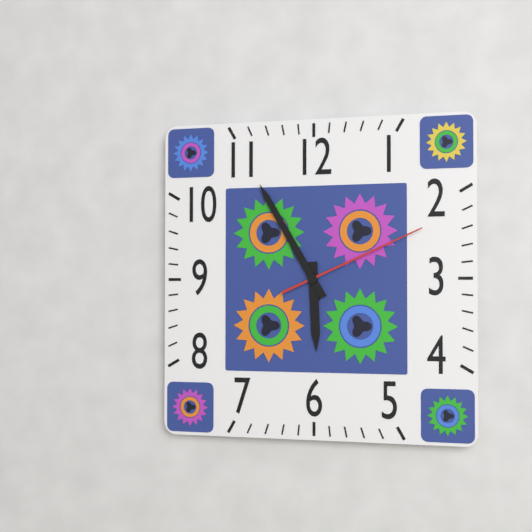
5h55m11s
